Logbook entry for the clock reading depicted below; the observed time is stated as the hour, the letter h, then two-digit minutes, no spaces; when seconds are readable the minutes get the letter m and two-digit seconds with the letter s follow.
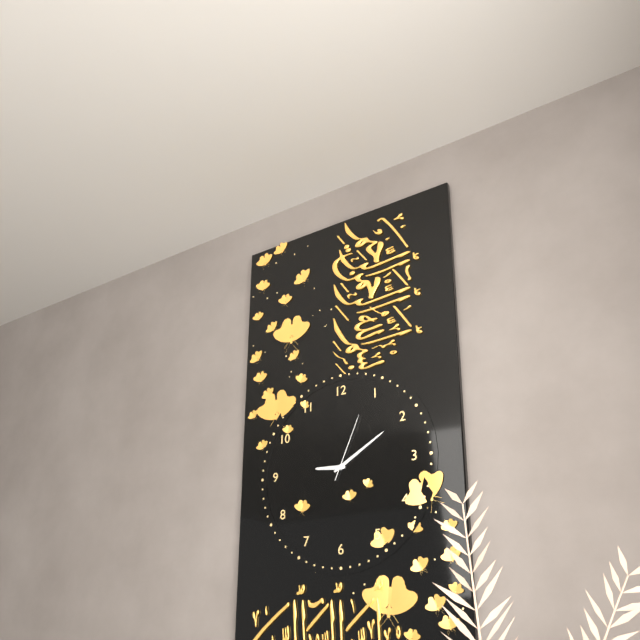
9h10m04s
